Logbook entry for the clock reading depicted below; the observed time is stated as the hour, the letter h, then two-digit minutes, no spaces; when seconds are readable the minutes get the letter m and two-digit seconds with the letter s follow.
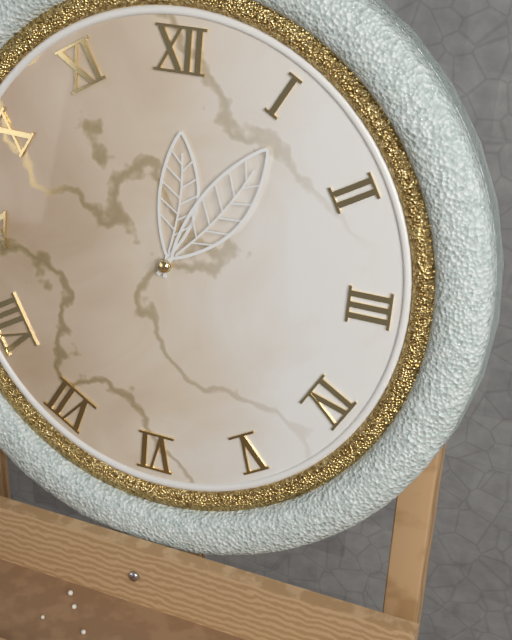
12h06
